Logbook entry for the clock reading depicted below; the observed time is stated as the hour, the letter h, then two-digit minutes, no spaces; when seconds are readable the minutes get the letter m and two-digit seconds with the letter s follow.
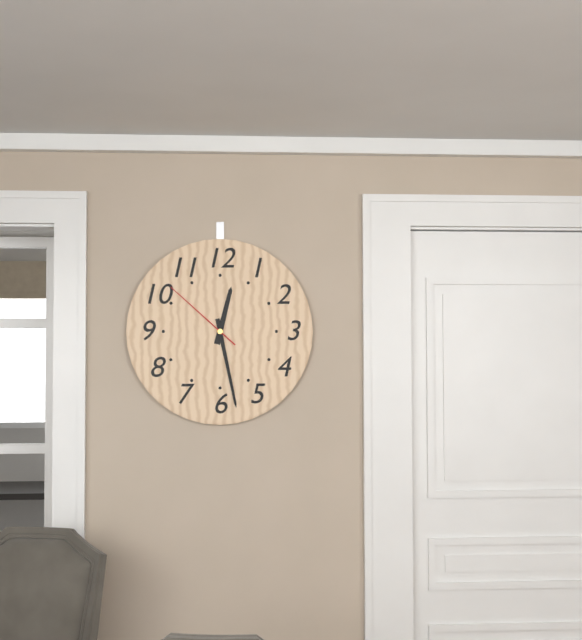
12h28m52s
